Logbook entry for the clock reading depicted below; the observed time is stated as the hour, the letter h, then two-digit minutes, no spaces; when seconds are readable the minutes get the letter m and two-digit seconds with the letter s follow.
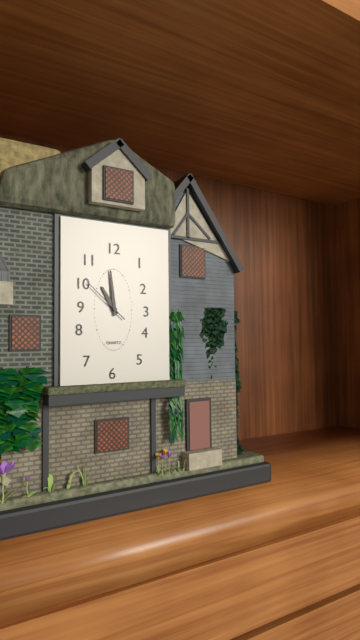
10h59
